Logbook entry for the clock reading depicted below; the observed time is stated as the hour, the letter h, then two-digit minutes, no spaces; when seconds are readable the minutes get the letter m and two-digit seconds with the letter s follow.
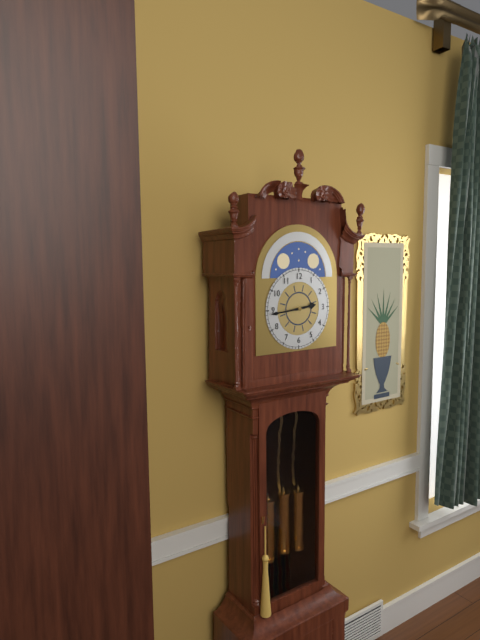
2h44
